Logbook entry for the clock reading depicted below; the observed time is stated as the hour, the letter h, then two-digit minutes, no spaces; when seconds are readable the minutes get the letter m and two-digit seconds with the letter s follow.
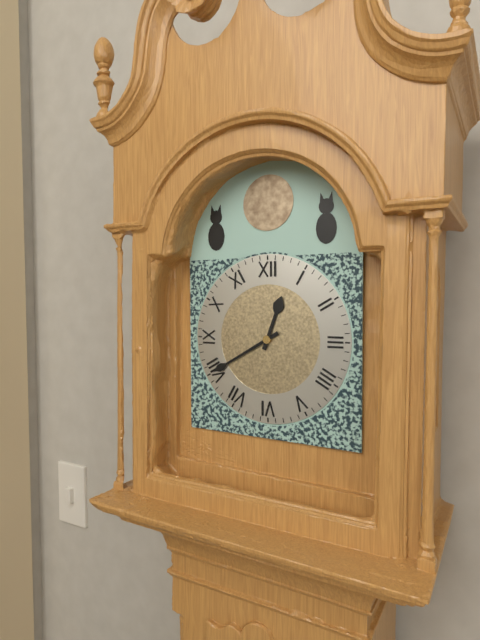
12h40
